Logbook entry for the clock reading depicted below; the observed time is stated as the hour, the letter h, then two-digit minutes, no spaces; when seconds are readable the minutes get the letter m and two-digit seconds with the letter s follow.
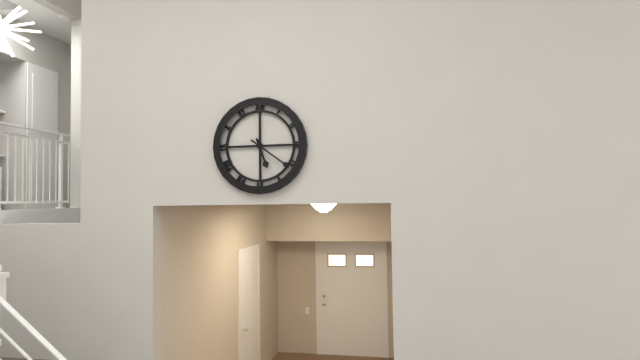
5h21
